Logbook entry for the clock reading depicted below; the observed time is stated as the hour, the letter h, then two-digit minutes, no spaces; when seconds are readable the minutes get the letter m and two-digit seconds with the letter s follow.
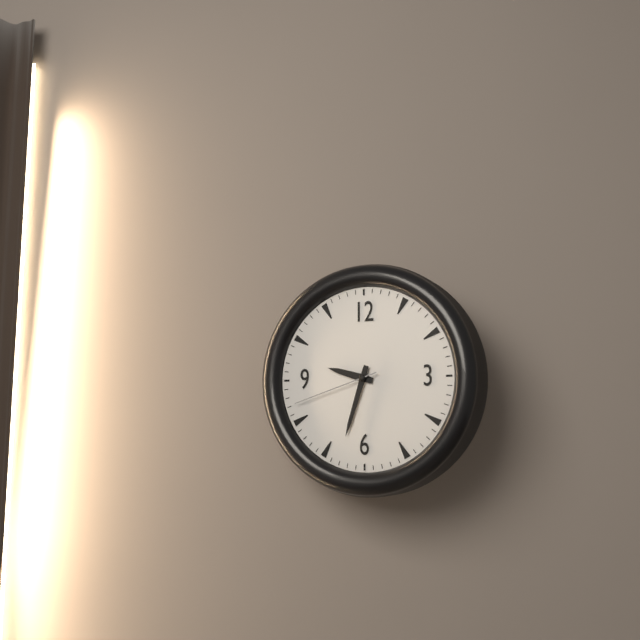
9h33m42s
